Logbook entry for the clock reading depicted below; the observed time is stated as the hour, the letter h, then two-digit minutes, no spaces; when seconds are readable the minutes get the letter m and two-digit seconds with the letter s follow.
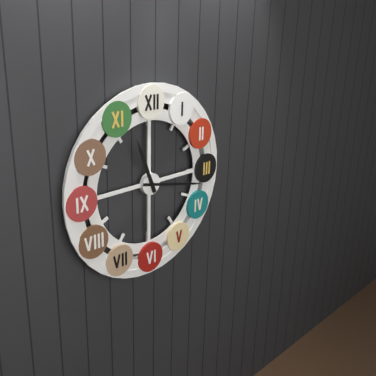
11h17
